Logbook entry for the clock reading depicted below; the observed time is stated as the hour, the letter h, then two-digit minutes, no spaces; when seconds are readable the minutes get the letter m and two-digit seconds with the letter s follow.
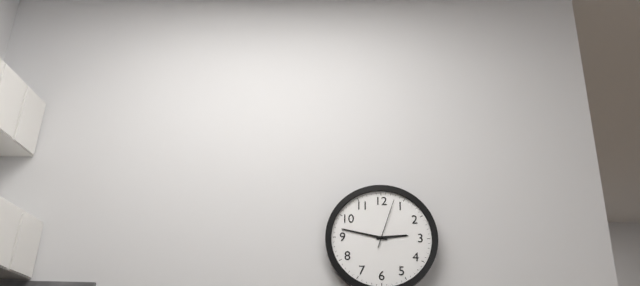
2h47m03s
